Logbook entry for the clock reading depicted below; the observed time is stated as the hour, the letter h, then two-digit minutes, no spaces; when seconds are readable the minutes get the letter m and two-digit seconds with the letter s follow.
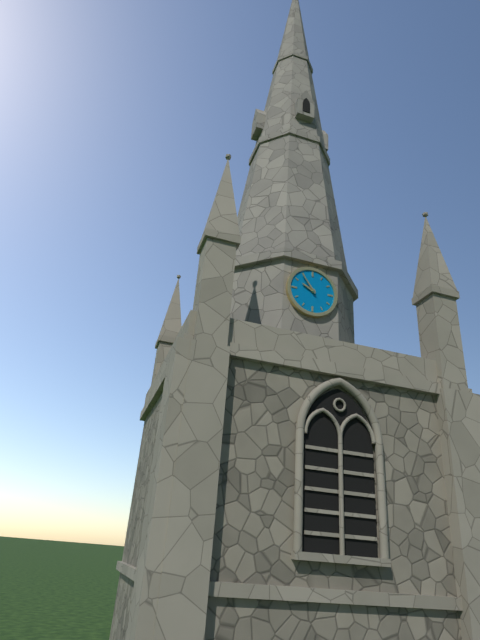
9h54
